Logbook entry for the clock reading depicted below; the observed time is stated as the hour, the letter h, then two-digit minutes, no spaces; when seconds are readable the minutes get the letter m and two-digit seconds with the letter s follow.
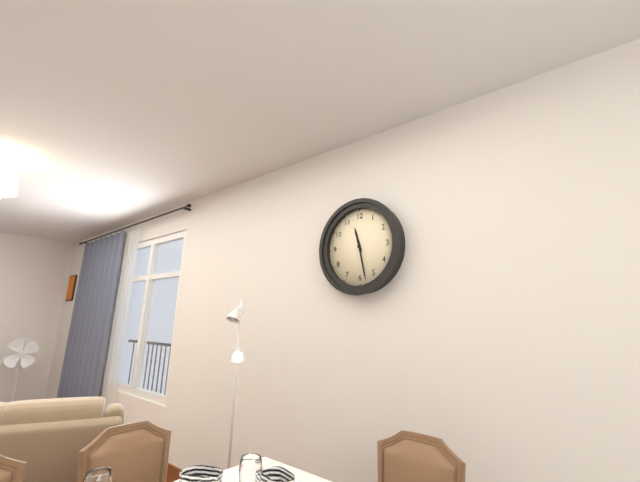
11h28
